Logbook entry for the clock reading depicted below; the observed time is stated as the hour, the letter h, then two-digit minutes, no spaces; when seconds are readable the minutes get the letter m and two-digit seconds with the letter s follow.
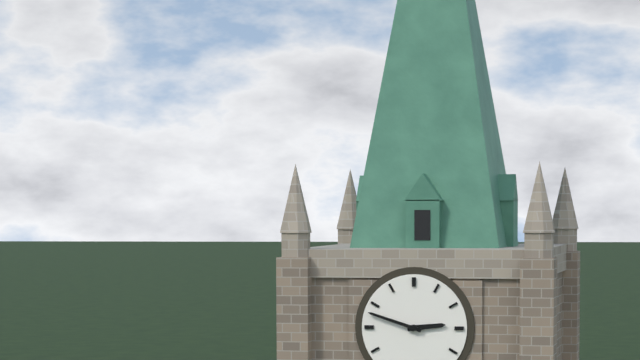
2h48
